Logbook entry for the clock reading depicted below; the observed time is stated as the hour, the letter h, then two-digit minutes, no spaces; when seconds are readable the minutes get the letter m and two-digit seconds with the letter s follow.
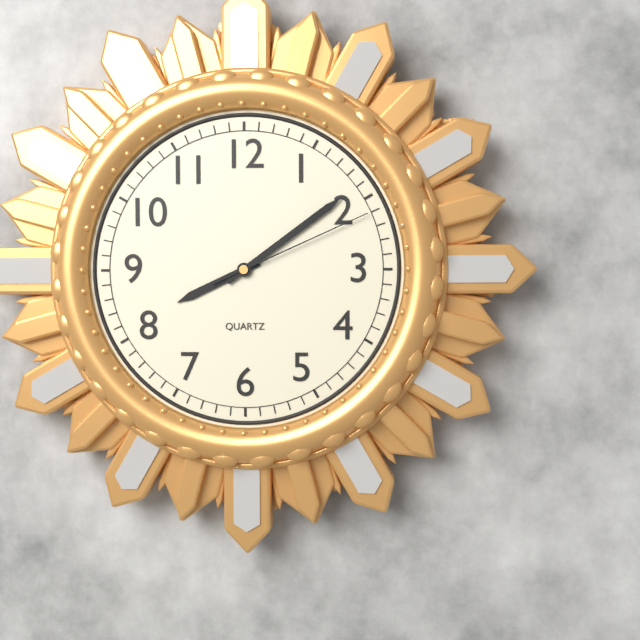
8h09m11s
